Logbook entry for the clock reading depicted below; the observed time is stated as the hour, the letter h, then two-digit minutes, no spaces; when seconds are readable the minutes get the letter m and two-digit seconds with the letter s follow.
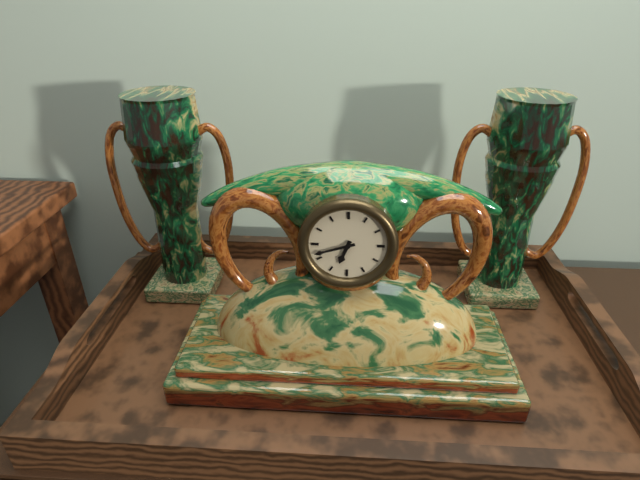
6h42
